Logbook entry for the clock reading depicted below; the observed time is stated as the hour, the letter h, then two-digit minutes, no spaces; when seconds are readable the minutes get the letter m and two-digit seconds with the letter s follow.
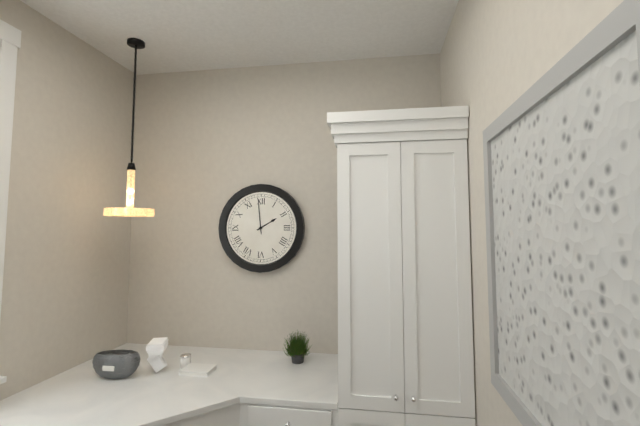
1h59
